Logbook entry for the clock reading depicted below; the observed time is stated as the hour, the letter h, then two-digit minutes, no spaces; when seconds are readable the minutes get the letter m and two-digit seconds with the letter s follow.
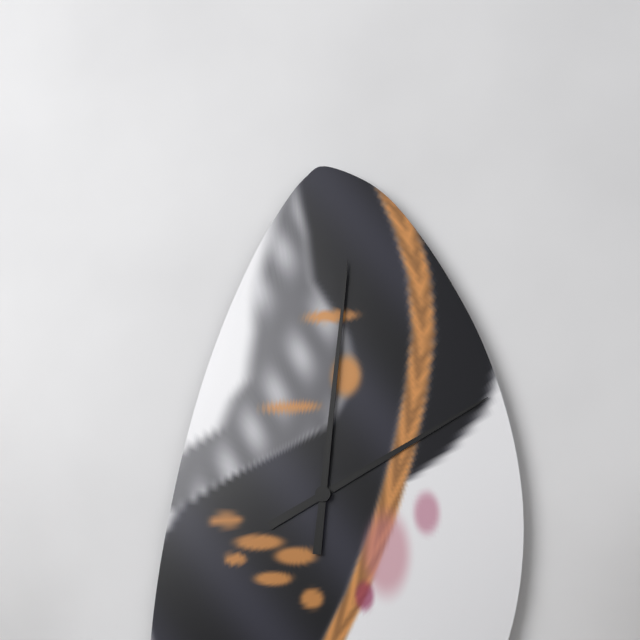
2h01
